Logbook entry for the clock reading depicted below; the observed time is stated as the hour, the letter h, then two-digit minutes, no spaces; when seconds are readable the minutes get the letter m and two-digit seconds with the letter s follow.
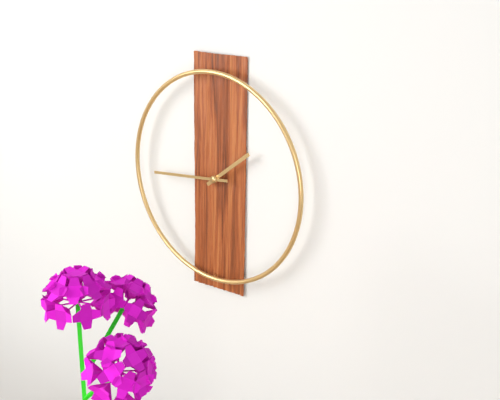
1h44
